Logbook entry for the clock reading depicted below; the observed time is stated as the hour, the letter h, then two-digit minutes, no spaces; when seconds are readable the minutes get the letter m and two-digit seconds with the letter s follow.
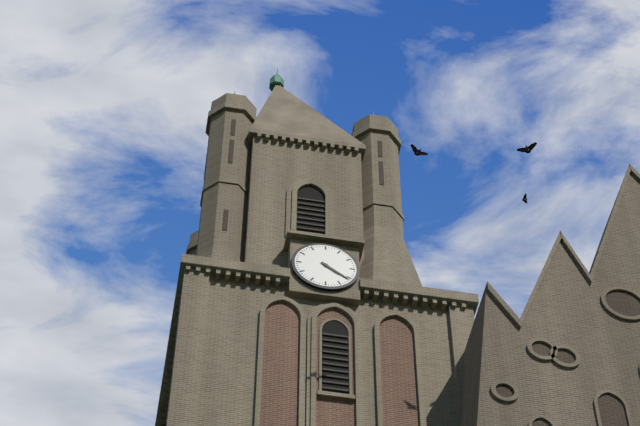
4h21
